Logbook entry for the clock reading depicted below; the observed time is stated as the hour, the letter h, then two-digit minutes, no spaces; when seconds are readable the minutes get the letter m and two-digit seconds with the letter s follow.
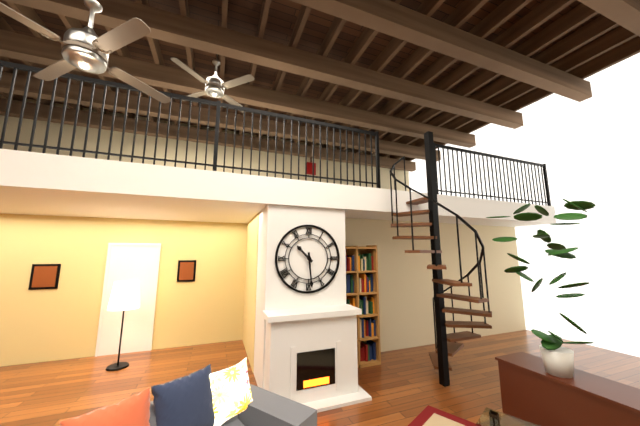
10h29
